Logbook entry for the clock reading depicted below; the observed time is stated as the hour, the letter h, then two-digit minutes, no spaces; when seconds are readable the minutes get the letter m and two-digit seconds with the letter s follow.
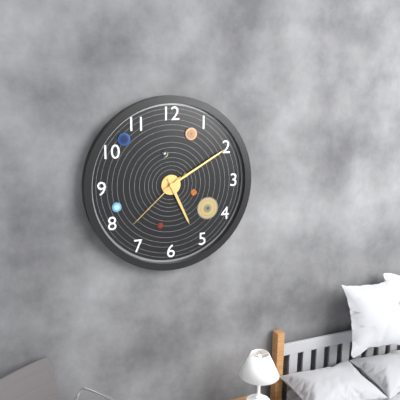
5h10m38s
